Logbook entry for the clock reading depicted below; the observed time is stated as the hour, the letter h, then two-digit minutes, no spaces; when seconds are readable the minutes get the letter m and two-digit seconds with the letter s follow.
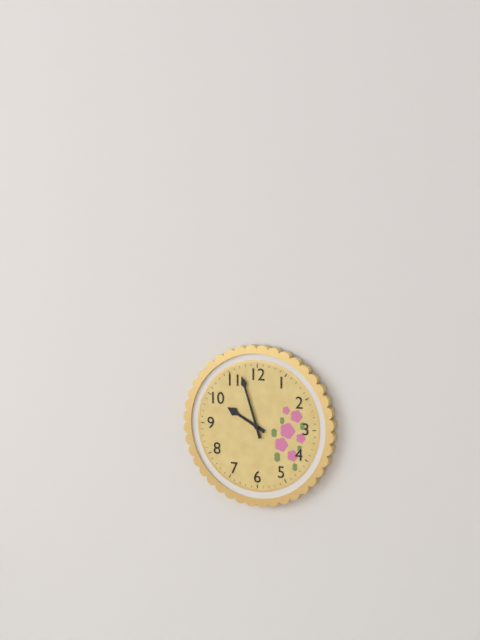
9h57
